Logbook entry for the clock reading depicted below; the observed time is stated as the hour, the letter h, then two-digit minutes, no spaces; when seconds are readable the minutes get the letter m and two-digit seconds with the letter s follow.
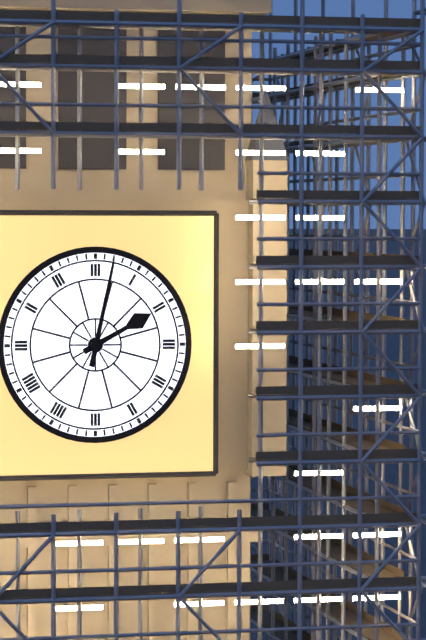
2h02
